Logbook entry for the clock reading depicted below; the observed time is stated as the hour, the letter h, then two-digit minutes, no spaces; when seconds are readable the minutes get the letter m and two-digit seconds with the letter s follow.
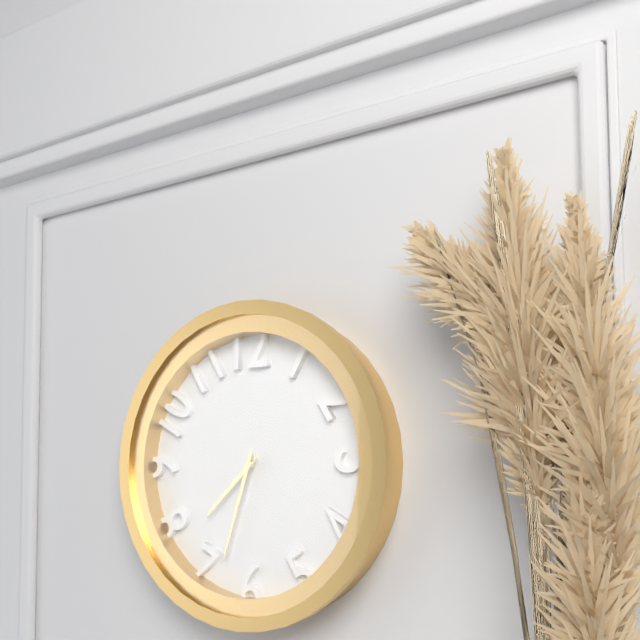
7h33
